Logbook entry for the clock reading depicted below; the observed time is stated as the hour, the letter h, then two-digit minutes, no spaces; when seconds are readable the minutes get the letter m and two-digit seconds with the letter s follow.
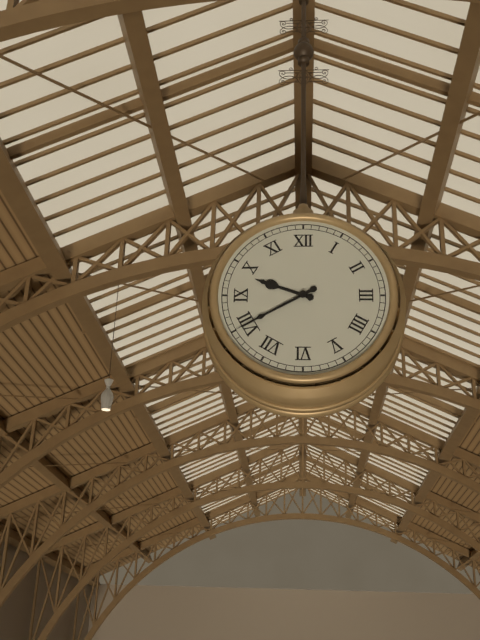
9h40
